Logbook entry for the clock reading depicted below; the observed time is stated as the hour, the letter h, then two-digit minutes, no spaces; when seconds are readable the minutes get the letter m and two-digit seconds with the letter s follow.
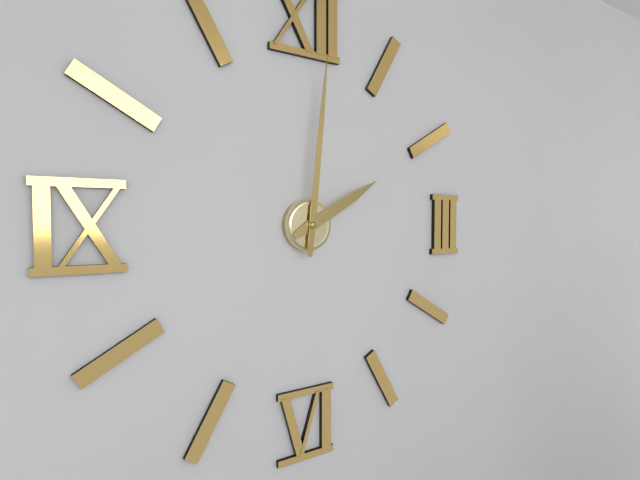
2h01
